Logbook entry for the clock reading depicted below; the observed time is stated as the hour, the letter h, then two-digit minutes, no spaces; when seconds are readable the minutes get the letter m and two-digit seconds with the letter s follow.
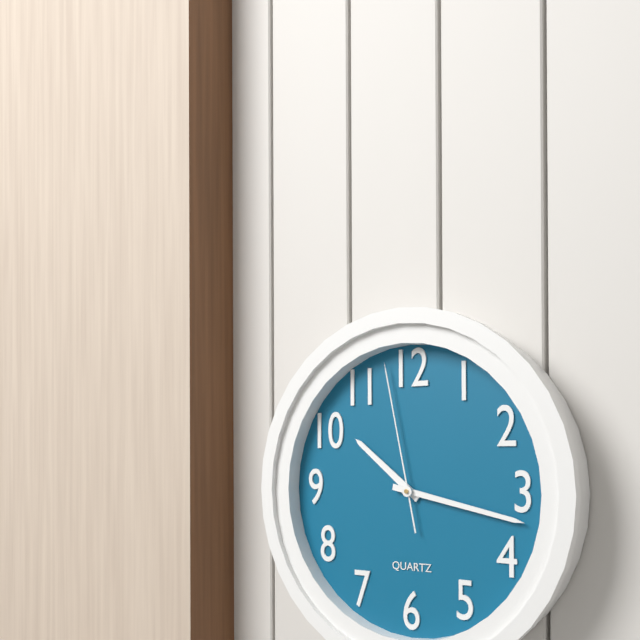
10h17m58s
